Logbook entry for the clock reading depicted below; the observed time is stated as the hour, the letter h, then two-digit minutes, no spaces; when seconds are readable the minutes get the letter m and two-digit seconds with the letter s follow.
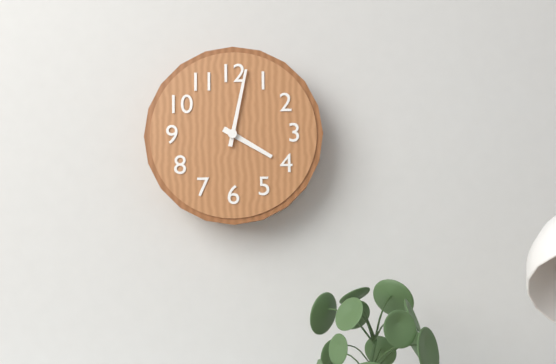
4h02
